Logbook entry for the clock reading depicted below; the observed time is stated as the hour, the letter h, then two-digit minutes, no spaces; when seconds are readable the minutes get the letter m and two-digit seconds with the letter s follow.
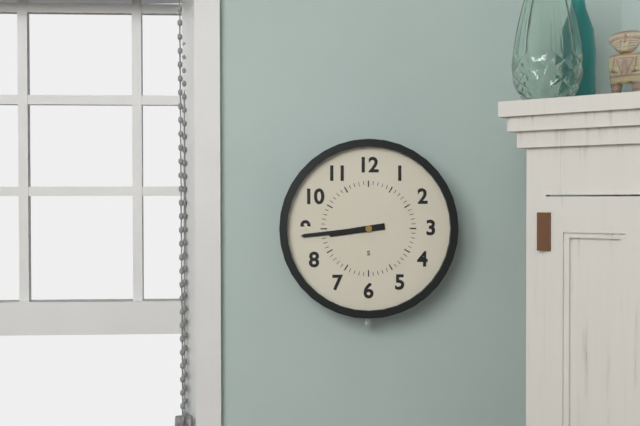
8h44
